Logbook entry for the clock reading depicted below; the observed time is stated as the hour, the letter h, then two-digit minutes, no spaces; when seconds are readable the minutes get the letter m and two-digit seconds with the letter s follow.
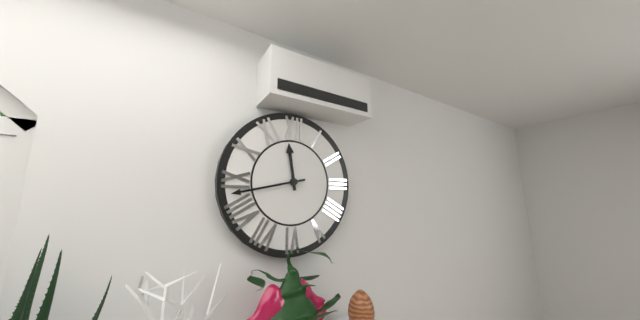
11h43
